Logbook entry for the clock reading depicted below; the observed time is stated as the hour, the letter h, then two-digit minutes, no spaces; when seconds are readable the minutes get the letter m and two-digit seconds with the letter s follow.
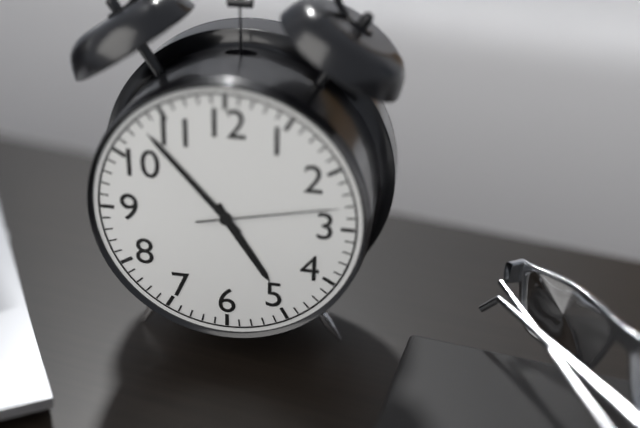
4h53m13s
